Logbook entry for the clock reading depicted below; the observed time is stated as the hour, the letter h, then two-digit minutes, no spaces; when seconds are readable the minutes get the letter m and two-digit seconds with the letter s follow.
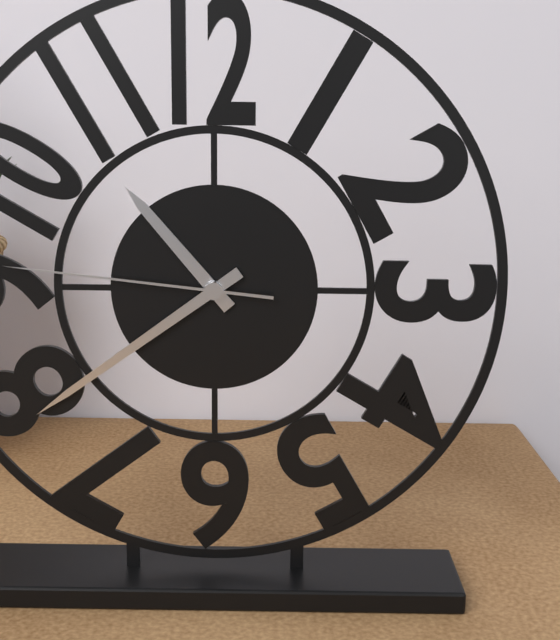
10h39m46s
